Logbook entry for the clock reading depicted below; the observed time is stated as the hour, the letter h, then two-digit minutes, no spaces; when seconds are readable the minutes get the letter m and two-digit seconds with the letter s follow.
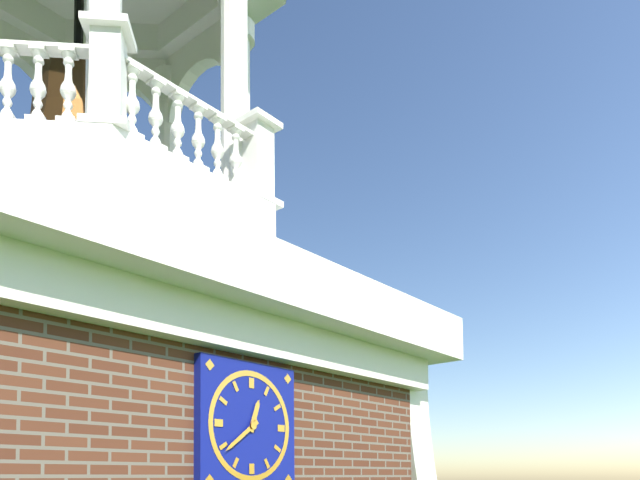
12h39
